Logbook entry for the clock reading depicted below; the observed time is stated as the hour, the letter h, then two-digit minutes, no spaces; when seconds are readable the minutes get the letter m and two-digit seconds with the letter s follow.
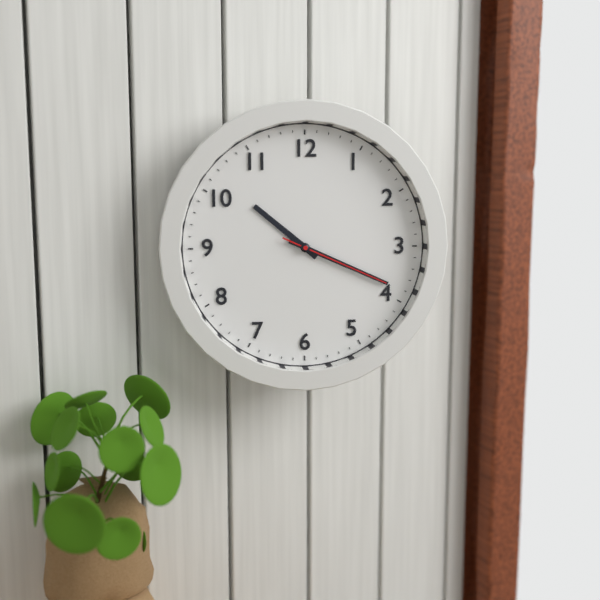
10h19m19s
